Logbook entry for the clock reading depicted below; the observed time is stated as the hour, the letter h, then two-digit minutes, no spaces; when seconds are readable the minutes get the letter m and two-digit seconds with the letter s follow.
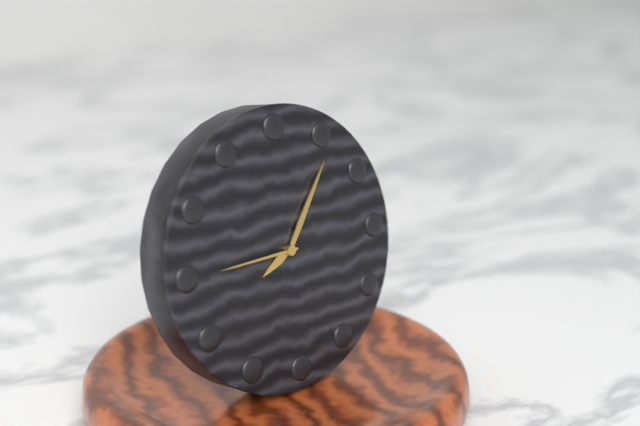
8h06m45s
